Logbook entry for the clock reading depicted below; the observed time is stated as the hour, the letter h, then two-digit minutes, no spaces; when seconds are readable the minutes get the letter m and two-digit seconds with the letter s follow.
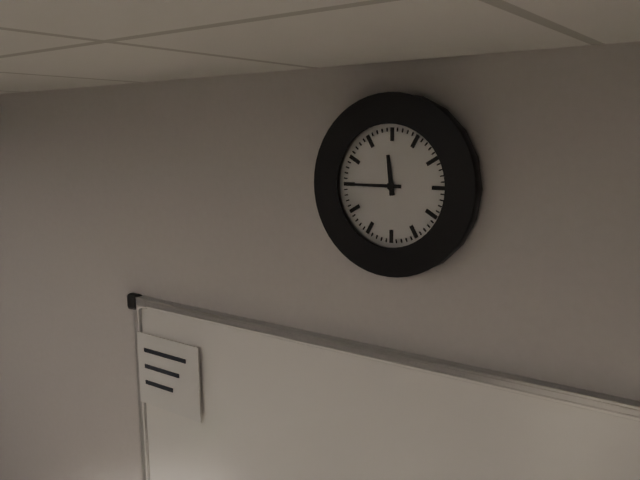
11h45
